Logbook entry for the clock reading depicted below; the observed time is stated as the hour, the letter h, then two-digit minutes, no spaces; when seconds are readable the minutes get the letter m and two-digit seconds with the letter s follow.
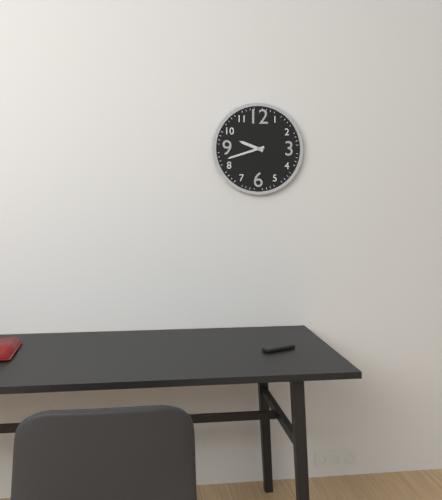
9h42
